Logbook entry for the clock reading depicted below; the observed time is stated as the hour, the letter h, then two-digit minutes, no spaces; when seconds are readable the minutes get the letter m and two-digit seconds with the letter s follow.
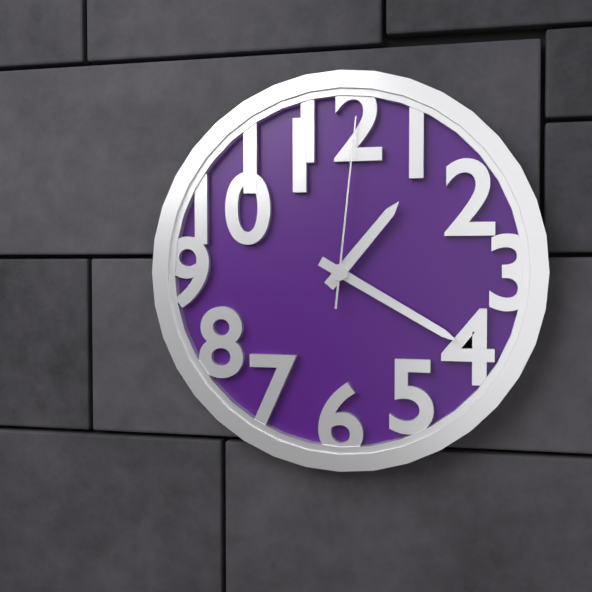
1h20m01s
